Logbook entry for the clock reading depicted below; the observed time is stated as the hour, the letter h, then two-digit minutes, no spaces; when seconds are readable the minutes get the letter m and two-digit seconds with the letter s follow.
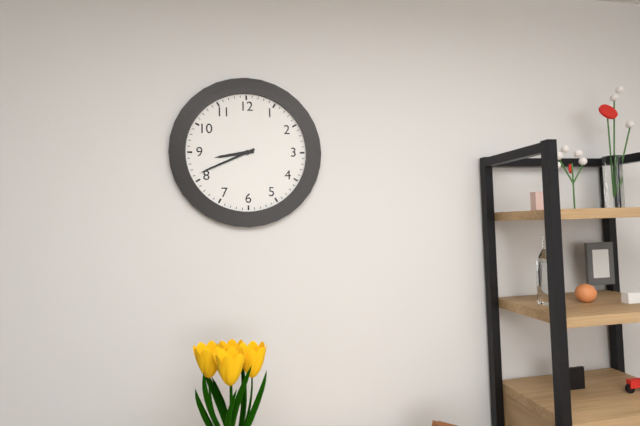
8h41
